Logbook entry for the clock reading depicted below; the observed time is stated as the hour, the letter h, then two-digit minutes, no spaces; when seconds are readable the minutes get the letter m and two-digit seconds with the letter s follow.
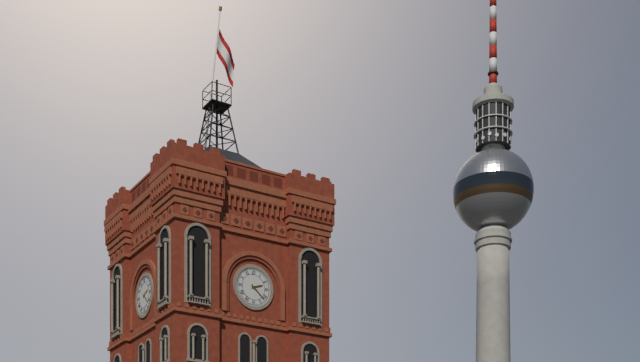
2h22
